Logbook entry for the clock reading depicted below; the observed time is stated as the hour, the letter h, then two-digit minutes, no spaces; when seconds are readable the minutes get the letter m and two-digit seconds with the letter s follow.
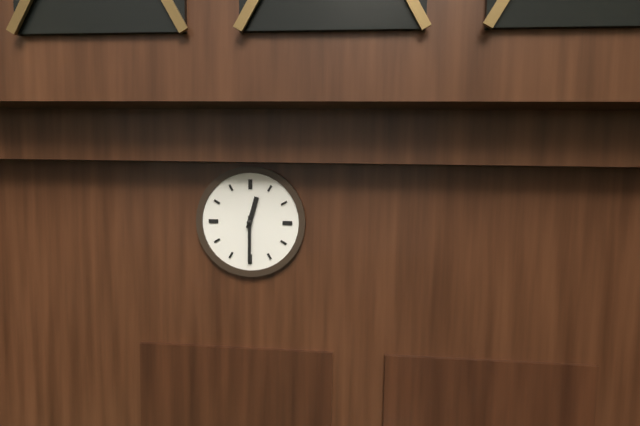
12h30
